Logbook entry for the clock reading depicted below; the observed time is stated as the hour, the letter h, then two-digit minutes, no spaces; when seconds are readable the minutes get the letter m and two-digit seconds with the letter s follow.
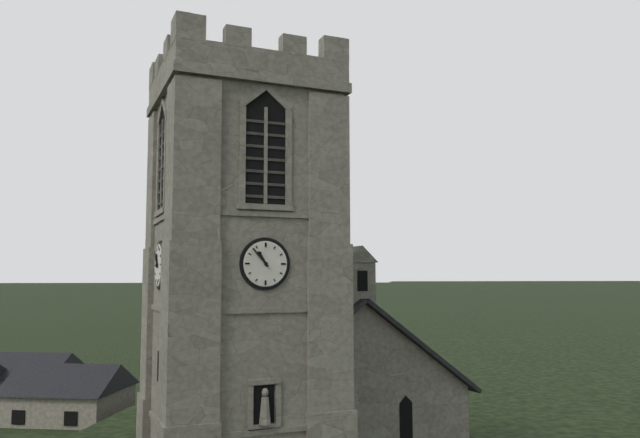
10h53
